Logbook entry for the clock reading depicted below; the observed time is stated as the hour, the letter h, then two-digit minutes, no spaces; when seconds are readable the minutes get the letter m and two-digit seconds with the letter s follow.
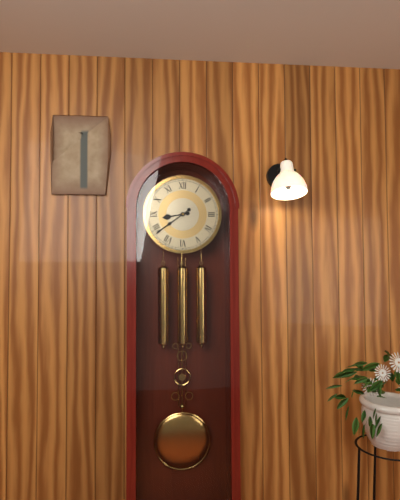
8h39
